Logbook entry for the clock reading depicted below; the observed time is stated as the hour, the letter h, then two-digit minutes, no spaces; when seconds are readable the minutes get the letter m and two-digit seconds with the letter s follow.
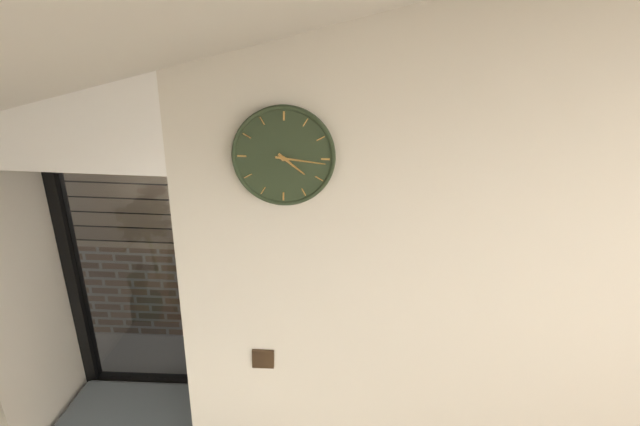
4h16
